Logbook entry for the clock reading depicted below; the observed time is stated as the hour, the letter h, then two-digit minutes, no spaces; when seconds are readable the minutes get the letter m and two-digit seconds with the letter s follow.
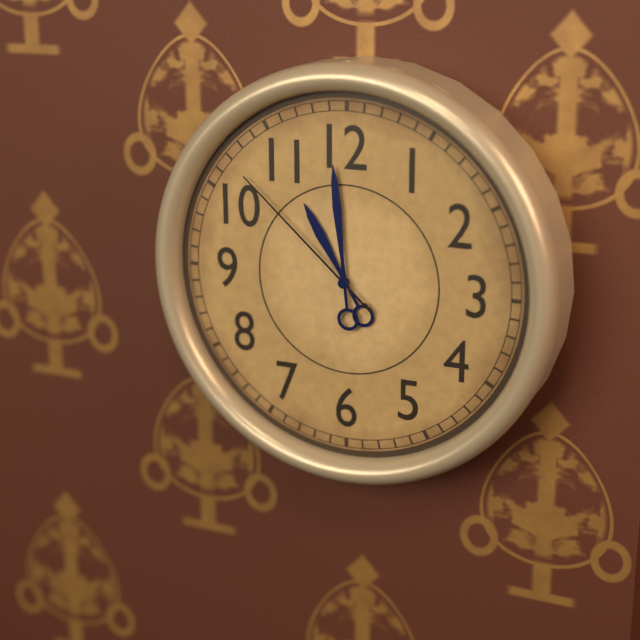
10h59m52s
